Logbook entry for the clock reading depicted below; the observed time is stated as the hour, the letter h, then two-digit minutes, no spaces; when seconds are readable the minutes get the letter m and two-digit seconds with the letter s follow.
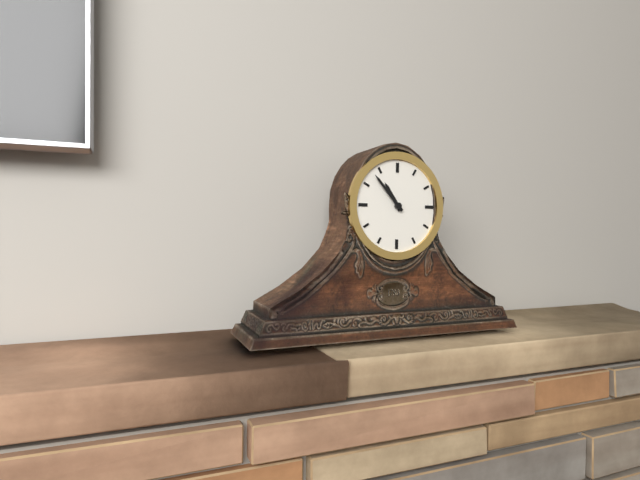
10h53
